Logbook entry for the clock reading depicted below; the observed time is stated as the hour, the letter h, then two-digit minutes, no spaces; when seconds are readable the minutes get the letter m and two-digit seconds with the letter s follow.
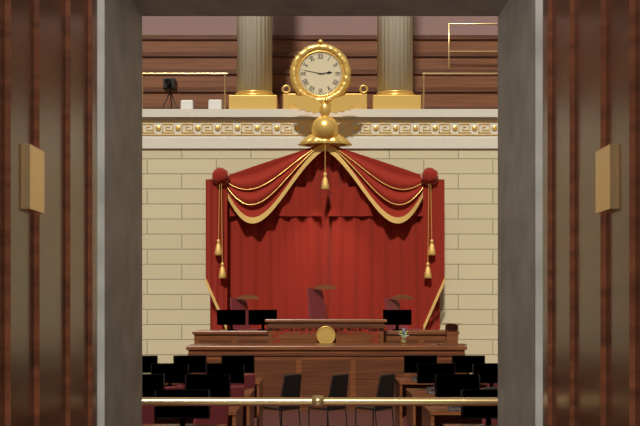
2h47
